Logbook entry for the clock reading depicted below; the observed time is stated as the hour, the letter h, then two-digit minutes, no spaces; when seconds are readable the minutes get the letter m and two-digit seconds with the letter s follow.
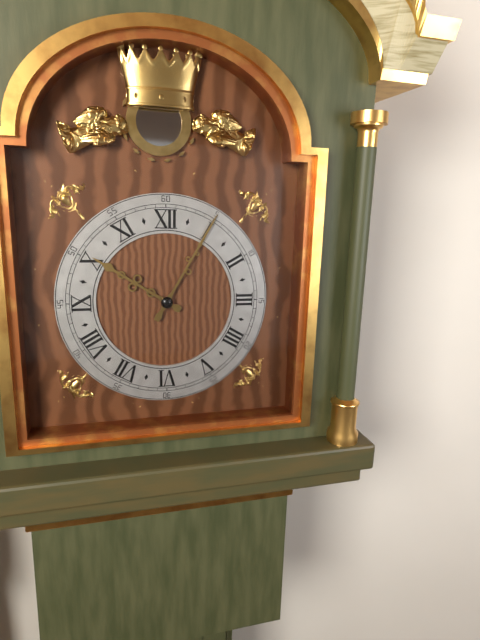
10h05
